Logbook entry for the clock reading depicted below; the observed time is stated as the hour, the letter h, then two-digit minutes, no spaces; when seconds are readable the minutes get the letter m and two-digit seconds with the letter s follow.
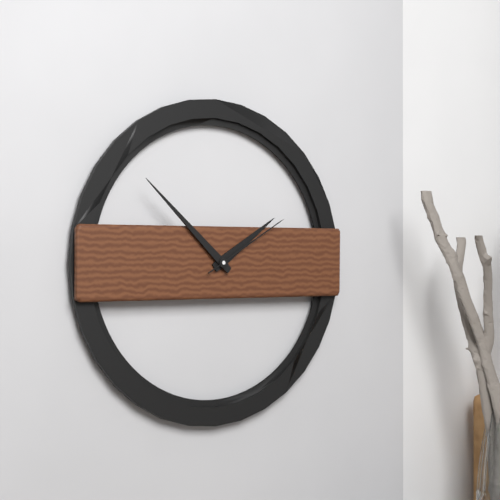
1h52m10s
